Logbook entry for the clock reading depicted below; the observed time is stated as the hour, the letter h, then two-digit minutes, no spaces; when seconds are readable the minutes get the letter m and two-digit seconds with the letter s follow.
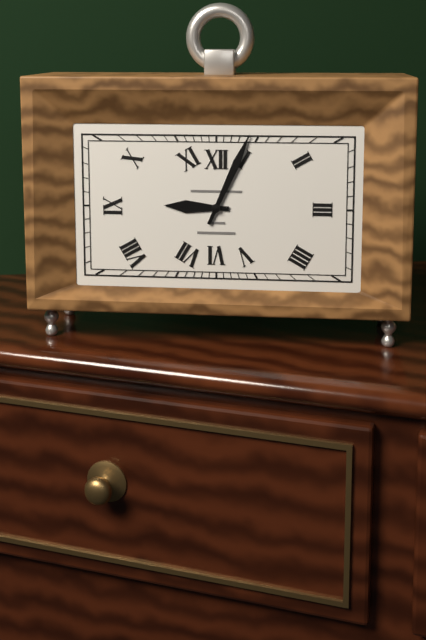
9h04
